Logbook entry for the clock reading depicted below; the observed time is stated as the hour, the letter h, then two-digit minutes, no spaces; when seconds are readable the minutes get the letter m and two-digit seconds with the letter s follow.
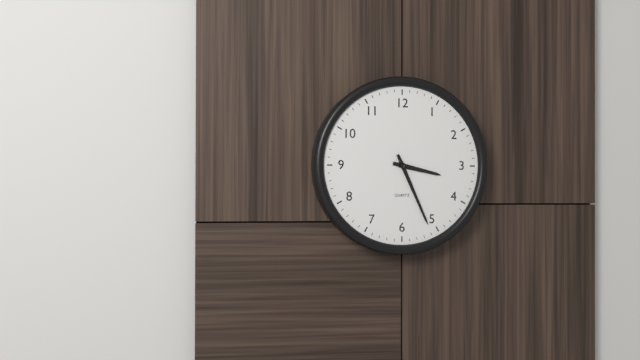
3h26
